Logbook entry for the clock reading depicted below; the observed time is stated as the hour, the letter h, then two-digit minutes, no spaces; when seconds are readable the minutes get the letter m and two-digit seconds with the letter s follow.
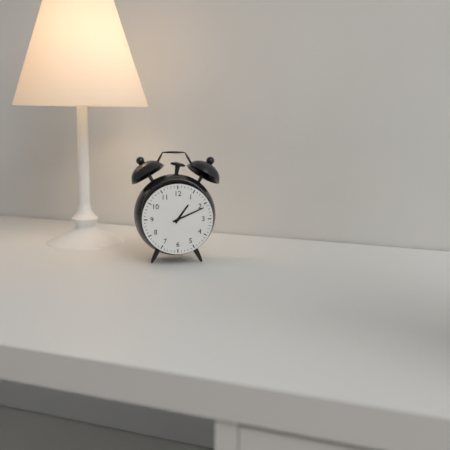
1h11
